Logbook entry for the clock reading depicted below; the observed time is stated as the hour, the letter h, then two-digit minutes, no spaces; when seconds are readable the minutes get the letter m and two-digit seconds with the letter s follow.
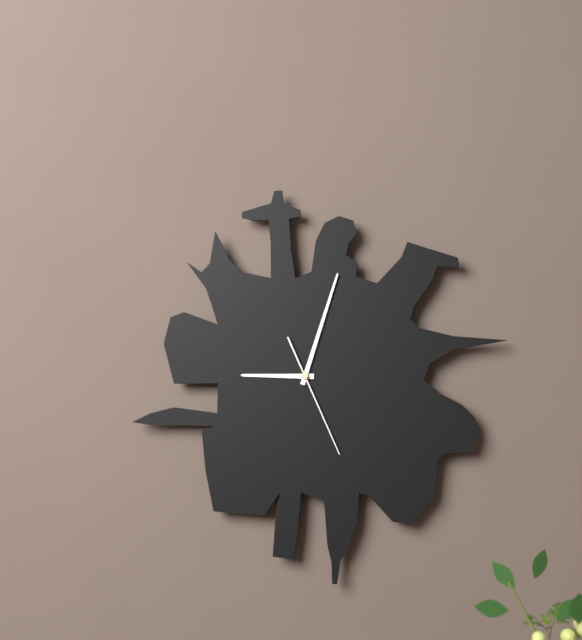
9h03m26s
